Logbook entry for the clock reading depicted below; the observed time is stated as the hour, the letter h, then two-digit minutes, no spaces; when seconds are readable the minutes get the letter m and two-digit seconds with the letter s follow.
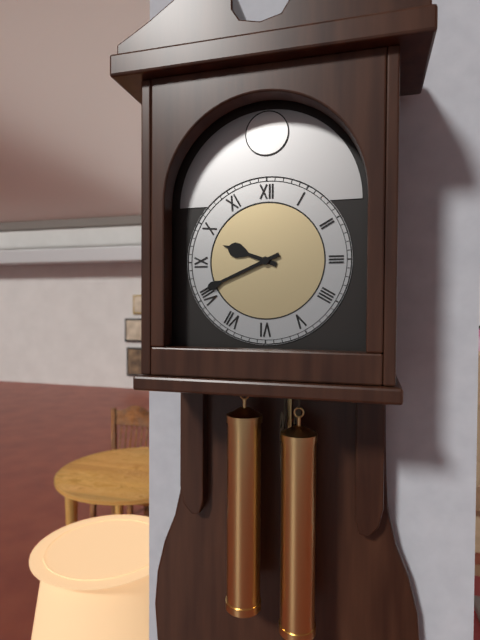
9h41
